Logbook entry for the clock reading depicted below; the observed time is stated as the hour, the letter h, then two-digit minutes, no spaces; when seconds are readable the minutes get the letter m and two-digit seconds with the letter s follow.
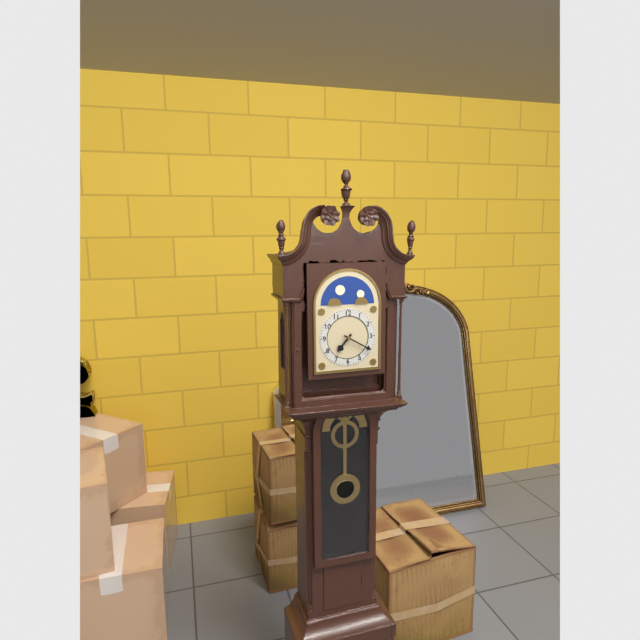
7h20
